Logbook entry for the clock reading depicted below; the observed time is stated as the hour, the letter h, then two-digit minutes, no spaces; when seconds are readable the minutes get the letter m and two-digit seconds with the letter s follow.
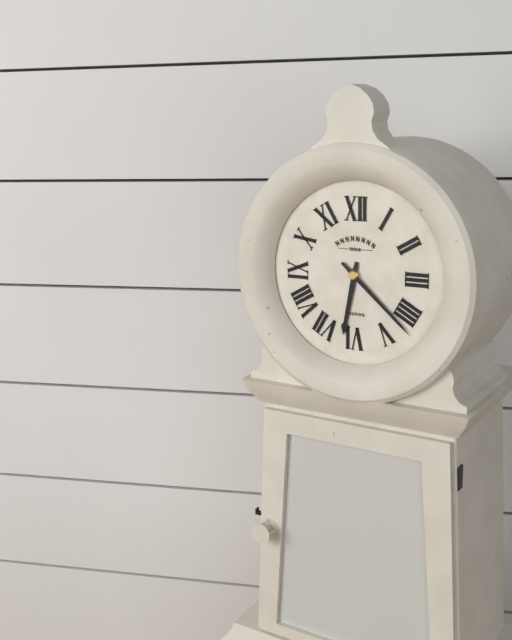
6h22
